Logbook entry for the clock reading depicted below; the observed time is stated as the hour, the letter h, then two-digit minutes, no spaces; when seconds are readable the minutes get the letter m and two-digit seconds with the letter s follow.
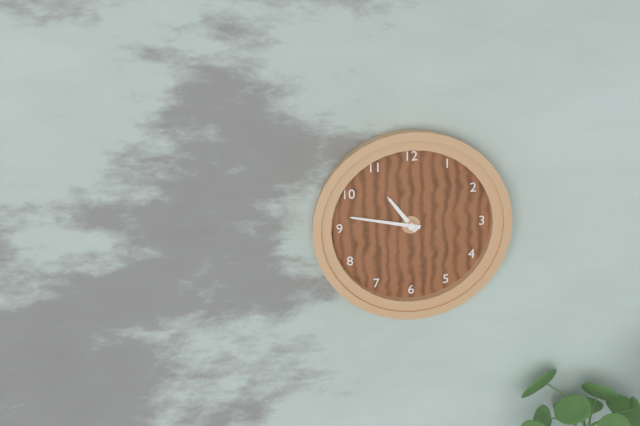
10h47
